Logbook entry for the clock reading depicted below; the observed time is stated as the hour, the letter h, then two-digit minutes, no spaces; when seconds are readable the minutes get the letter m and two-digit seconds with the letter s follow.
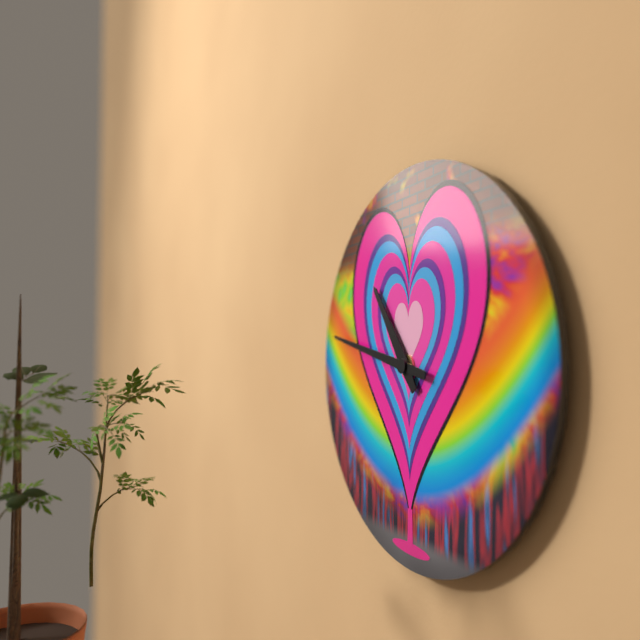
10h47
